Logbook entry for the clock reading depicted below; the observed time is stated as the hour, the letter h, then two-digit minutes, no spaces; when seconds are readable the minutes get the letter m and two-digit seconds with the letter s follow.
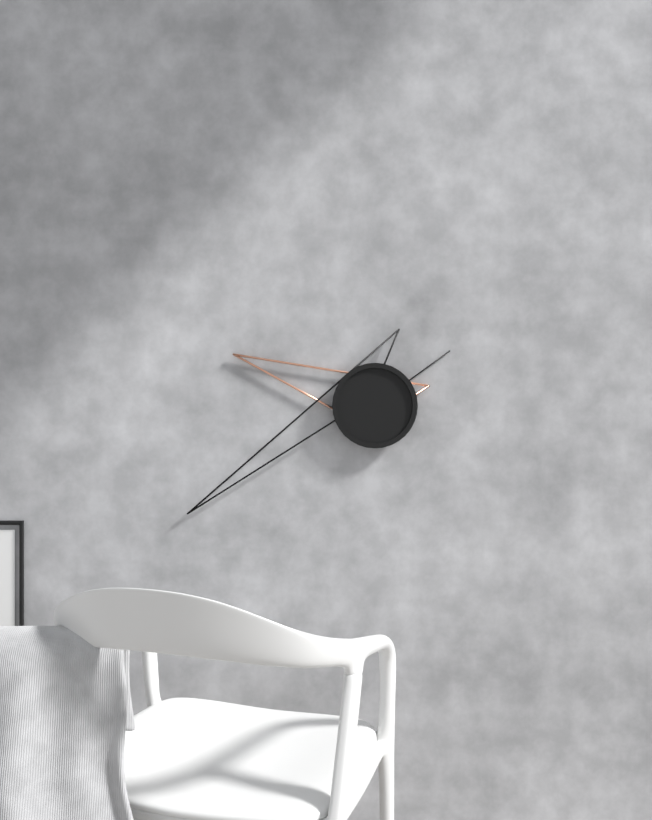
9h40m09s
